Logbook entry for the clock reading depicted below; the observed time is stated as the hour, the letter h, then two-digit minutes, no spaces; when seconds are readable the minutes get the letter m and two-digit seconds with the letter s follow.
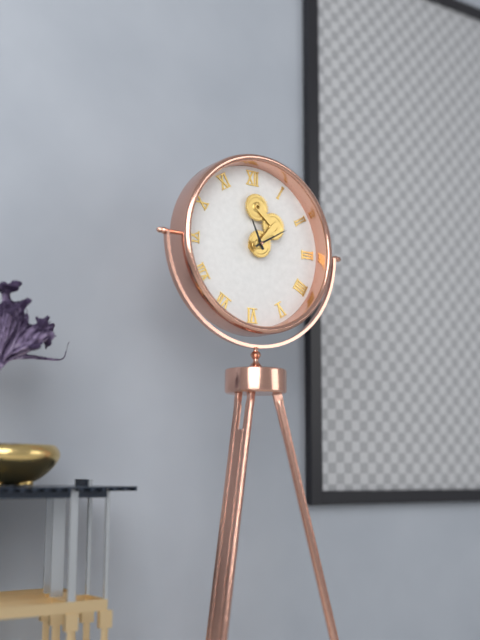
11h10
